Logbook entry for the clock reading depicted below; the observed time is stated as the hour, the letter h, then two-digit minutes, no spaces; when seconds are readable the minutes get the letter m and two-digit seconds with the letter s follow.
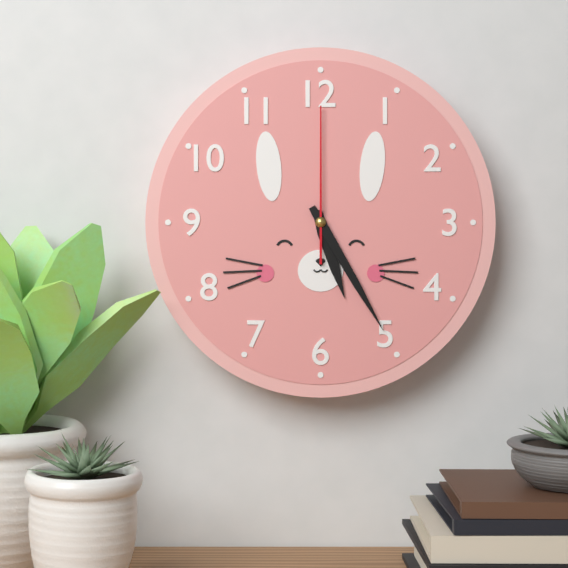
5h25m00s
